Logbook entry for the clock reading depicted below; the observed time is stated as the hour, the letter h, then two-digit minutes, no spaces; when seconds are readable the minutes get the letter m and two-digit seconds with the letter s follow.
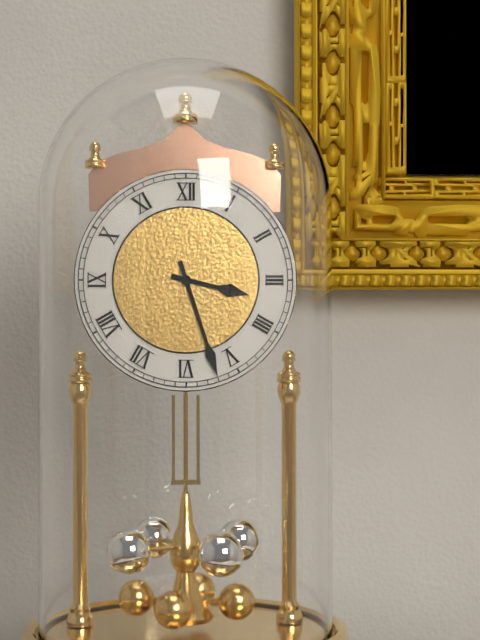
3h27
